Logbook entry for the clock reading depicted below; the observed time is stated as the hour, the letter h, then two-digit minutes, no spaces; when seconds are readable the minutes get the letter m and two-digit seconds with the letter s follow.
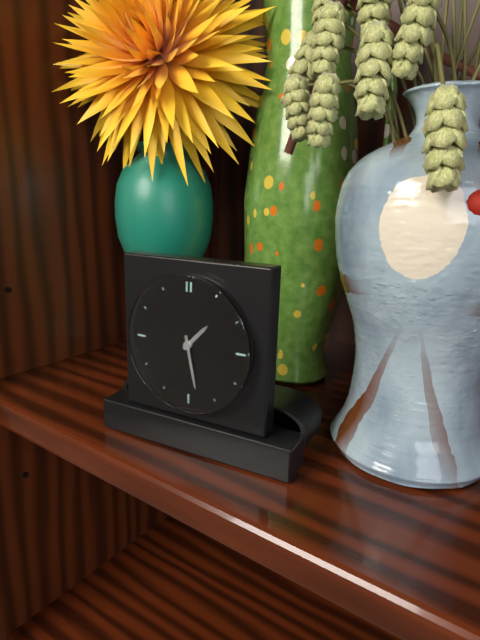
1h28
